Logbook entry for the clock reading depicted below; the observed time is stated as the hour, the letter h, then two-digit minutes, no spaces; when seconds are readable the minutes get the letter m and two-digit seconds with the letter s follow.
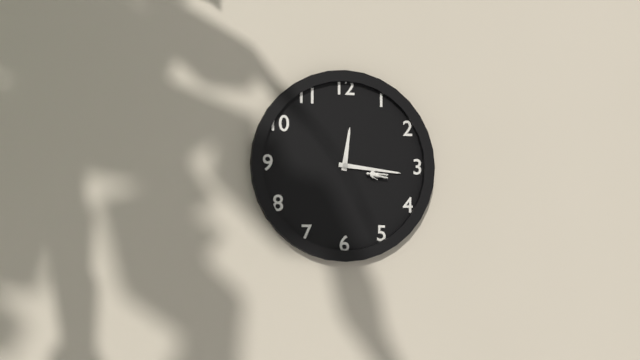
12h16
